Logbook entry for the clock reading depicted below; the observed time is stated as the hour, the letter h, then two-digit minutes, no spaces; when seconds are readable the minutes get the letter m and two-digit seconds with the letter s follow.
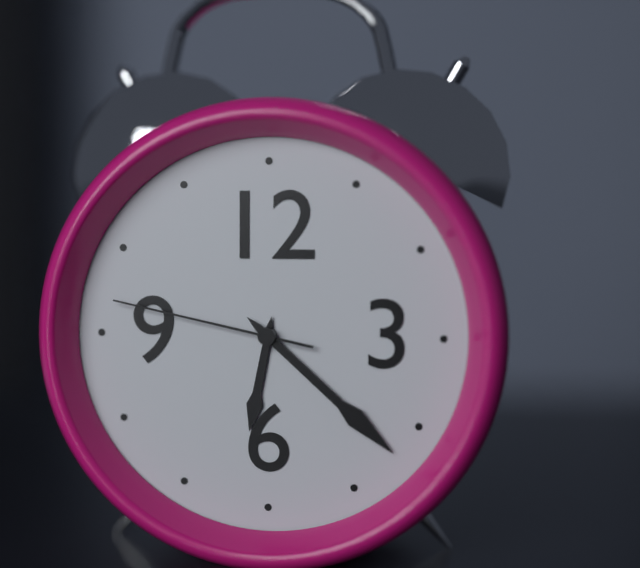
6h22m47s
